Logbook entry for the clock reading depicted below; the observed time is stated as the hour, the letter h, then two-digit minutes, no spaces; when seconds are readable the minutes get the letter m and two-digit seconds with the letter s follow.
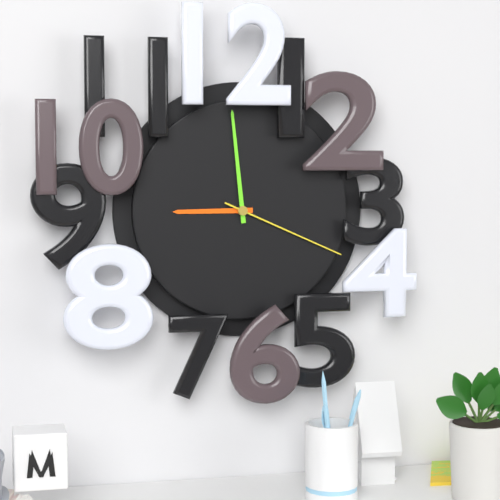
8h59m19s
